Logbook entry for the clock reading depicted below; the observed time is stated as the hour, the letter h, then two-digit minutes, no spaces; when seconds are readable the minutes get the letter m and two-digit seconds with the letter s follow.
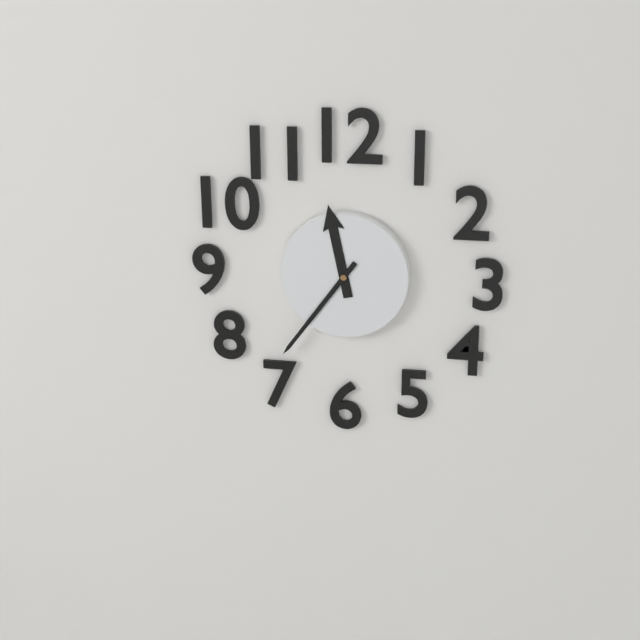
11h36
